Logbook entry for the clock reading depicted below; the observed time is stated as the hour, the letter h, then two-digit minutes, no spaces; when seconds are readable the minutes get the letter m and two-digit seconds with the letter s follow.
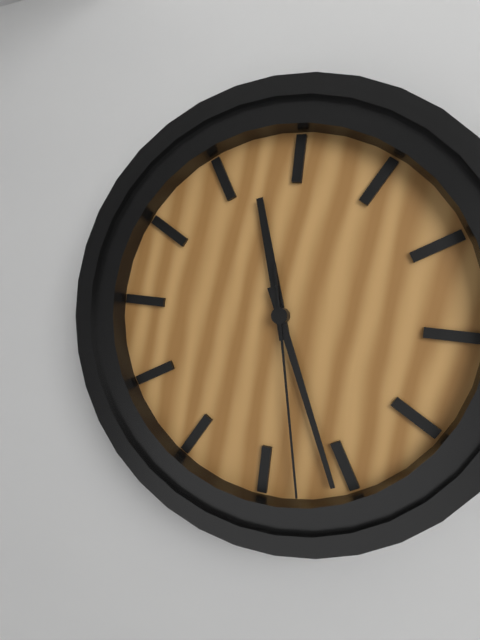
11h26m28s
